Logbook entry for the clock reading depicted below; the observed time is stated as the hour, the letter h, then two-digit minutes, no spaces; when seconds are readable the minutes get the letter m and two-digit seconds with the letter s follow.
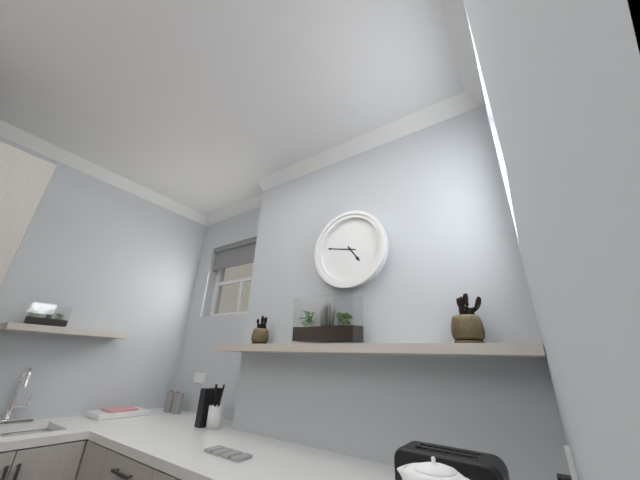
4h47
